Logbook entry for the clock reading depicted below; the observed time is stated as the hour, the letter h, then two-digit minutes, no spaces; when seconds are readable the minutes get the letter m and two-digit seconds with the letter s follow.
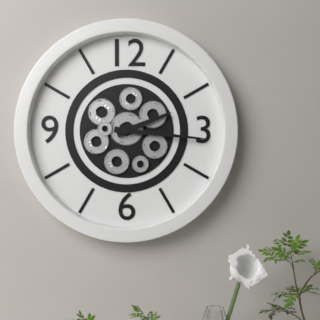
2h16
